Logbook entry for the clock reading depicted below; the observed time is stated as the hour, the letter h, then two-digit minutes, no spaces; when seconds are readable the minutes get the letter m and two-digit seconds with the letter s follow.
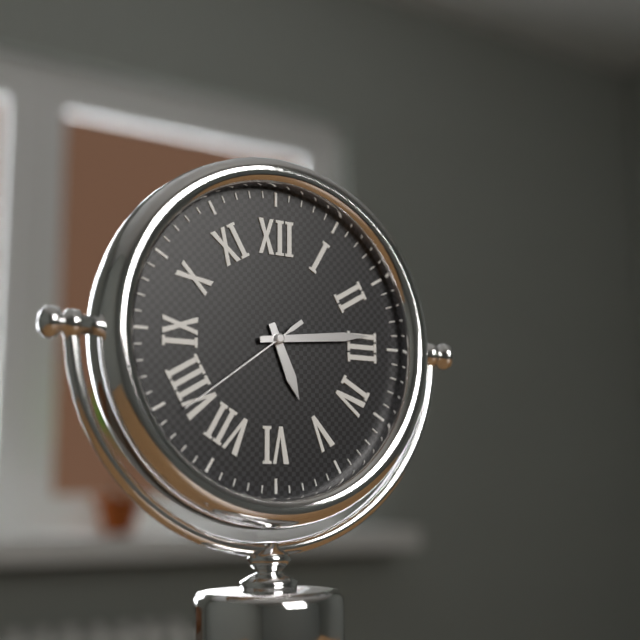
5h14m39s
